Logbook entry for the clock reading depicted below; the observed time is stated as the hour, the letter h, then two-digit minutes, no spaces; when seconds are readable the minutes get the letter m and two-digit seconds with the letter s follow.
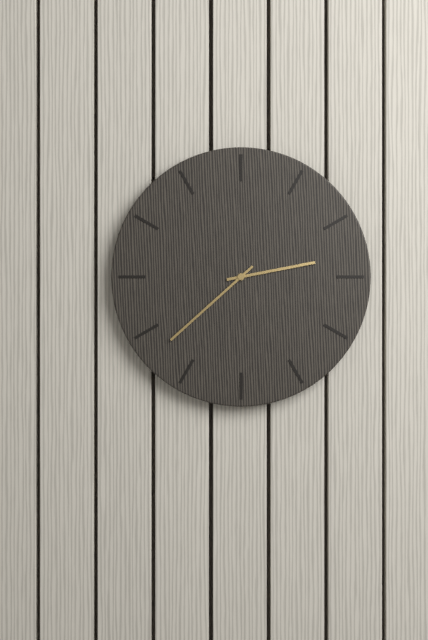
2h38
